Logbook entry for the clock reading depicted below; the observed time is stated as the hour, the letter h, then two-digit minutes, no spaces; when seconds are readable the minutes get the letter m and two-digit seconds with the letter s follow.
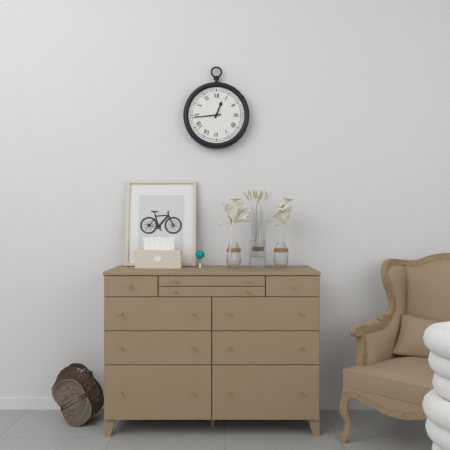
12h44
